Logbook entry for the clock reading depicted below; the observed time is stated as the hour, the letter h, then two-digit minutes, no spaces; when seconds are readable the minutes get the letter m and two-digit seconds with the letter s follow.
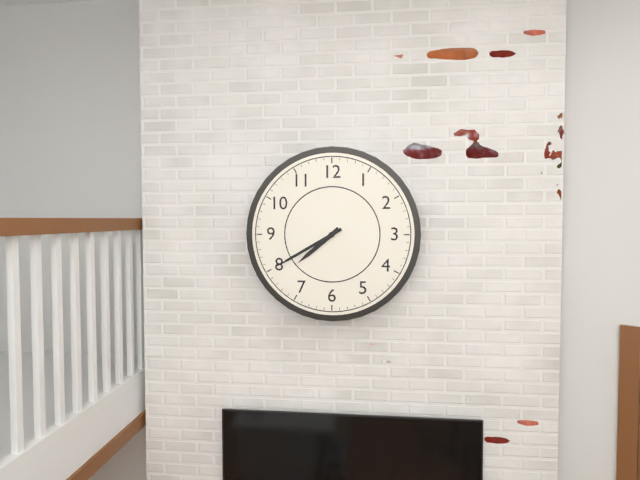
7h40
